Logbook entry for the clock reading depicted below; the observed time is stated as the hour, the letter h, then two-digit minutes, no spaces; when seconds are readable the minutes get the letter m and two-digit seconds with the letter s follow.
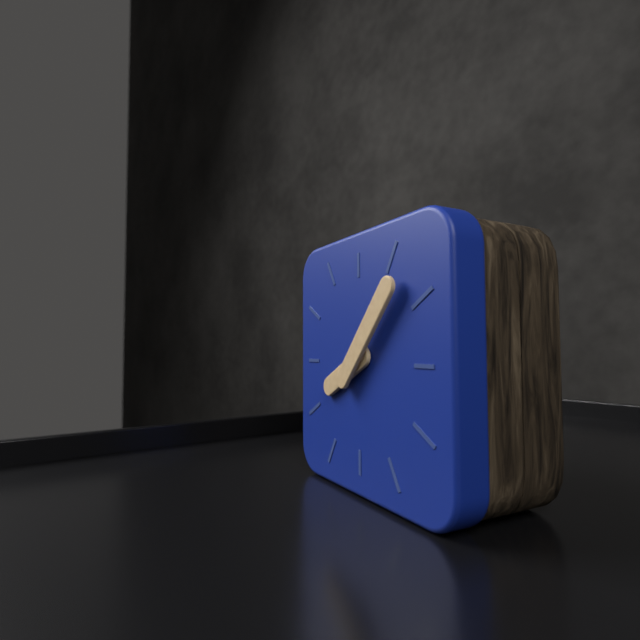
8h07
